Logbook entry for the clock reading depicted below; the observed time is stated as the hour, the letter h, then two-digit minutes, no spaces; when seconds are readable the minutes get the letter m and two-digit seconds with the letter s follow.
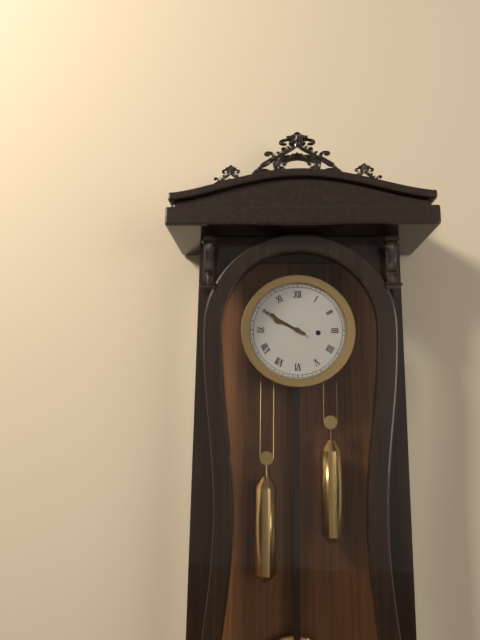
9h50
